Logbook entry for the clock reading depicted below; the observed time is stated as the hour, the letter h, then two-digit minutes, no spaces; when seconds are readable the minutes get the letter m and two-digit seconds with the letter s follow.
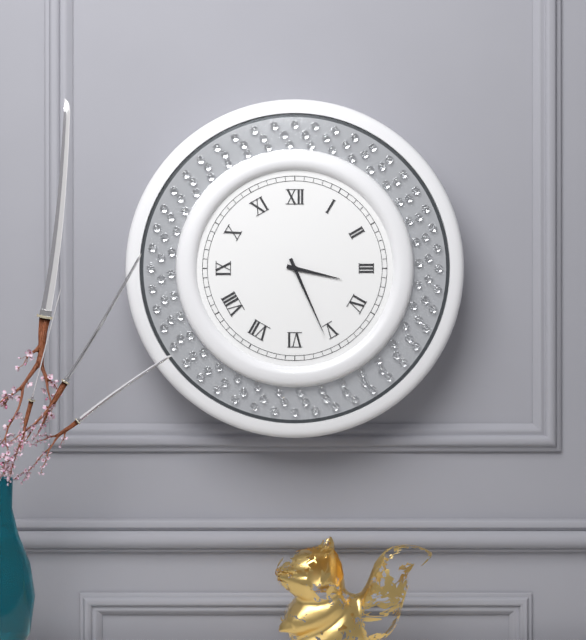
3h26
